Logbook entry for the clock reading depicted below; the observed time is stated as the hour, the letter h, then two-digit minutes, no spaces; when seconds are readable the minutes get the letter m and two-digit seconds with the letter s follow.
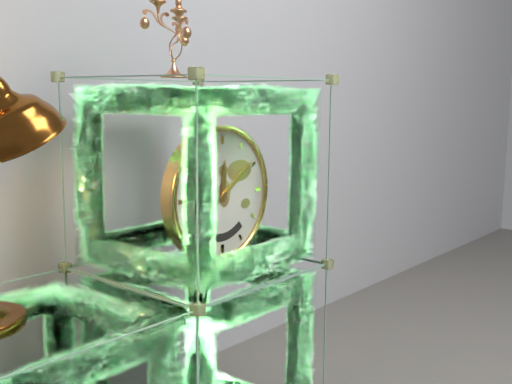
12h09
